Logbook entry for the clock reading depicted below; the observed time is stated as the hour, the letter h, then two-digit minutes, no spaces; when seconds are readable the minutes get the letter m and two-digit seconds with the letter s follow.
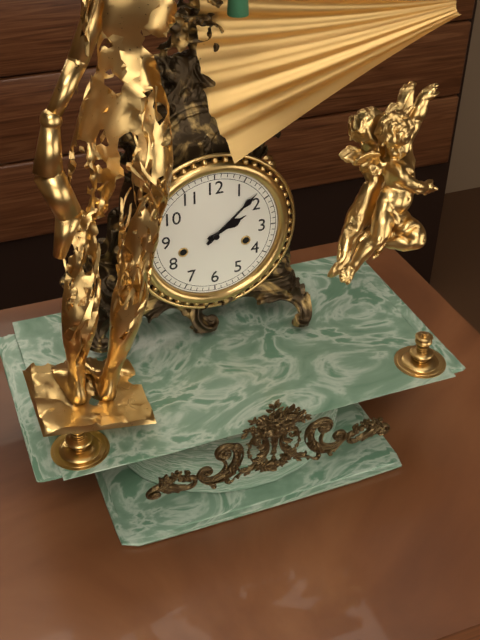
2h08
